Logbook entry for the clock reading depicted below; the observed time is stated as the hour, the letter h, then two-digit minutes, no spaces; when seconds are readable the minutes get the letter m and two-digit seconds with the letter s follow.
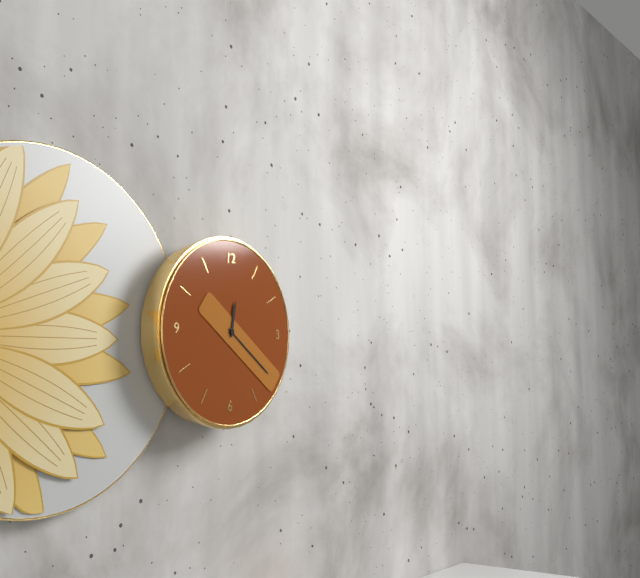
12h21
